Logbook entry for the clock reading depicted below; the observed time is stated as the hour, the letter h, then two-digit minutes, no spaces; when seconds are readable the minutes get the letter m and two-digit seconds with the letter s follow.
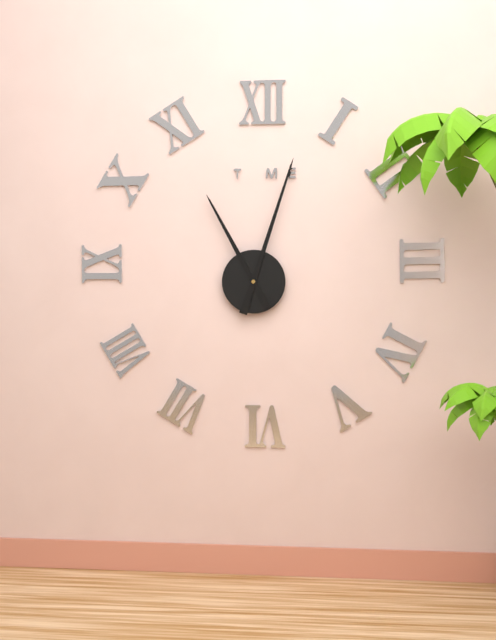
11h03
